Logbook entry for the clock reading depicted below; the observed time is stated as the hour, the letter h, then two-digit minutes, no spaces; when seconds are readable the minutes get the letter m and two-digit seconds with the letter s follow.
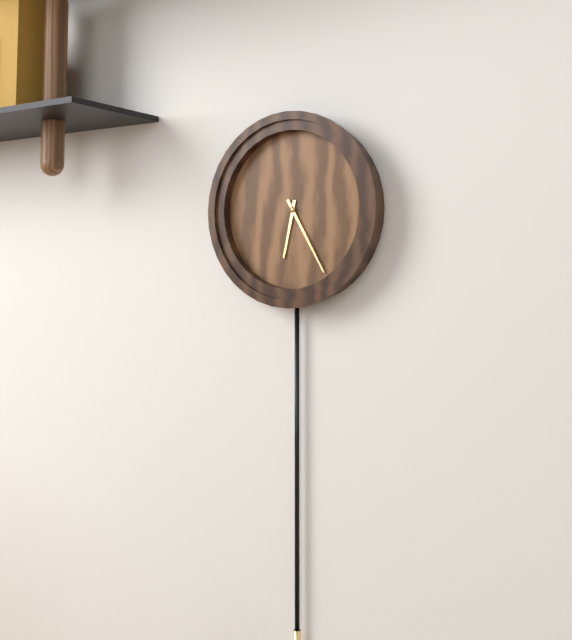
6h25
